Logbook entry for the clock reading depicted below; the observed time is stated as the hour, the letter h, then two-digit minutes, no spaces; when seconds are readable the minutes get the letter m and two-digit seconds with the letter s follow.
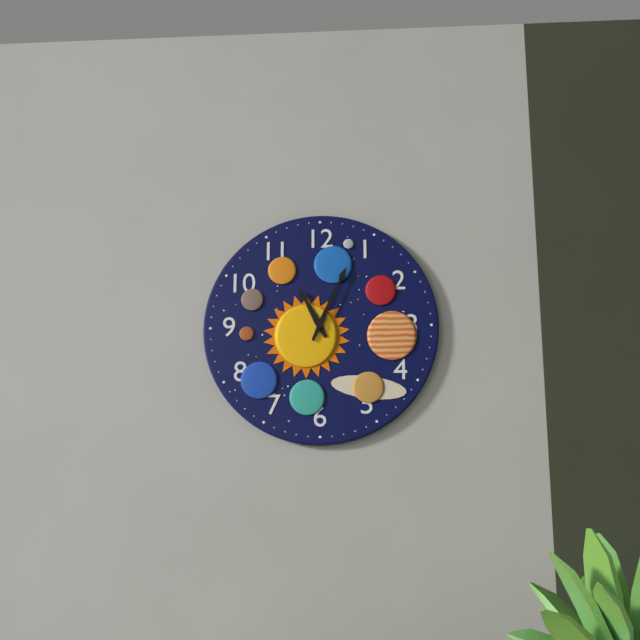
11h04
